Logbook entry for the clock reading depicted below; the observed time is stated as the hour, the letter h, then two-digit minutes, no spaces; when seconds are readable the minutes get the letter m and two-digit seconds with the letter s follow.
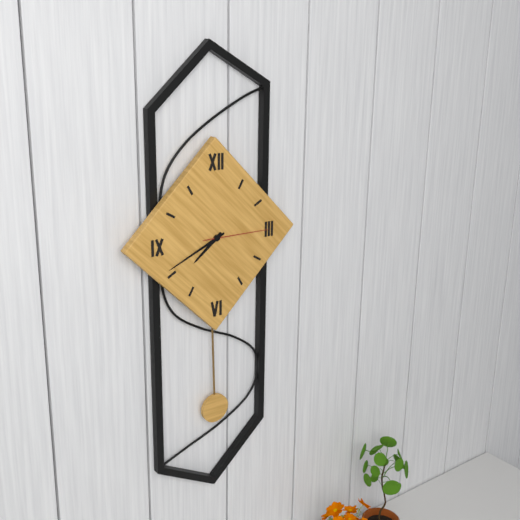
7h41m15s
